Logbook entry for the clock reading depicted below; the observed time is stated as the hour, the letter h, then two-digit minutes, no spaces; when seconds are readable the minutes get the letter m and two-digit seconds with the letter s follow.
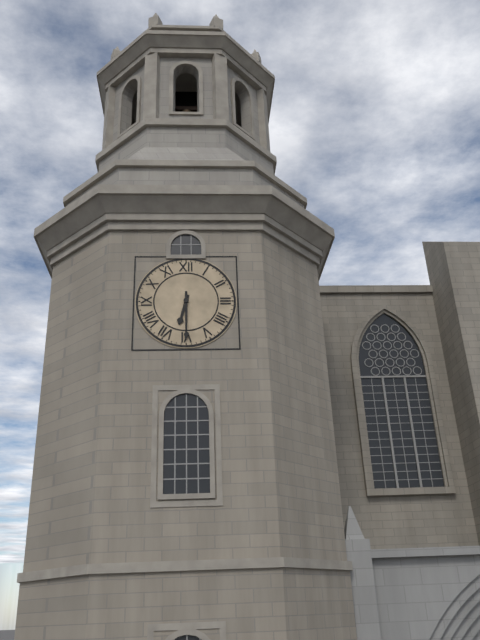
6h30
